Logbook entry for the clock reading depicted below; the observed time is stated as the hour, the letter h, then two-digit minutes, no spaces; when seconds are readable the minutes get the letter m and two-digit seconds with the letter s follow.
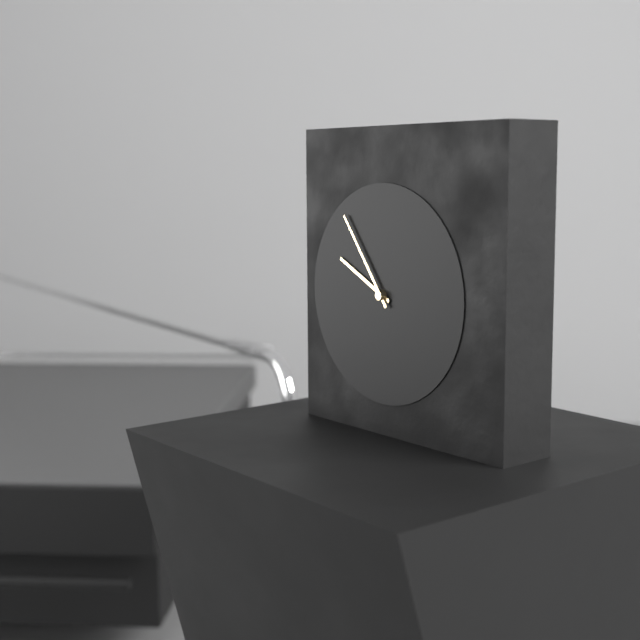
9h54
